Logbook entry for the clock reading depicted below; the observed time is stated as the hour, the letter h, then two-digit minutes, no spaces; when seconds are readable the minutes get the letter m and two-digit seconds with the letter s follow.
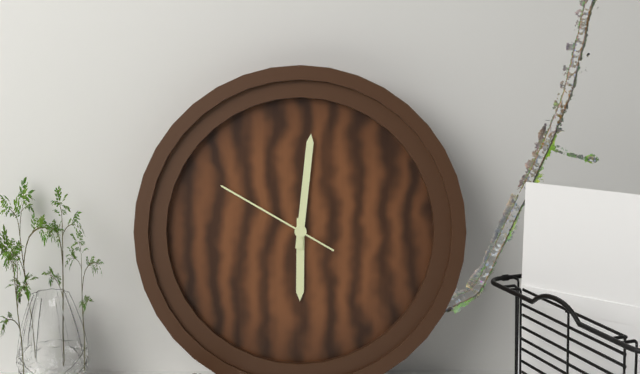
6h01m50s
